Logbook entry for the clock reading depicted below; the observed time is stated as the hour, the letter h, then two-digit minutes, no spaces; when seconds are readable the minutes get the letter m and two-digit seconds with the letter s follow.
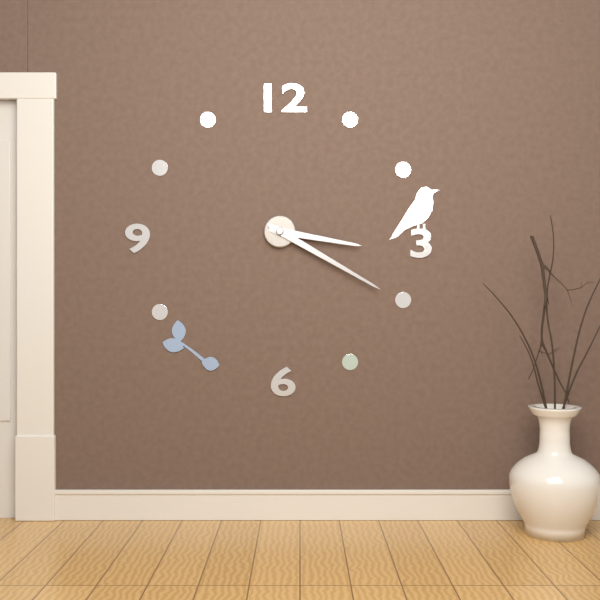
3h20
